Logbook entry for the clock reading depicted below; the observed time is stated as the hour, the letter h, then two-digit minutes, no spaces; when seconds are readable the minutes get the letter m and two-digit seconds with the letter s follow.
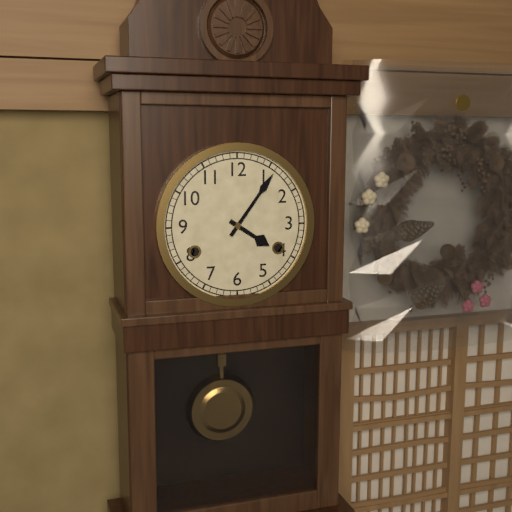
4h06
